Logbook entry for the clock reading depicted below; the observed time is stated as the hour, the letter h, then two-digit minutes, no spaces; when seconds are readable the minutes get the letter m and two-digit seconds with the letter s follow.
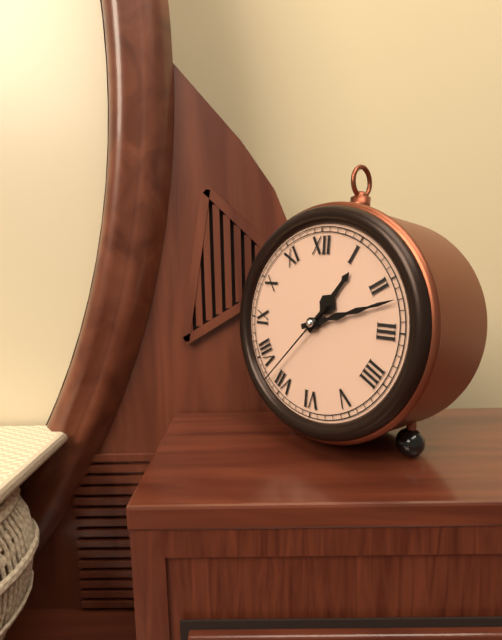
1h12m37s
